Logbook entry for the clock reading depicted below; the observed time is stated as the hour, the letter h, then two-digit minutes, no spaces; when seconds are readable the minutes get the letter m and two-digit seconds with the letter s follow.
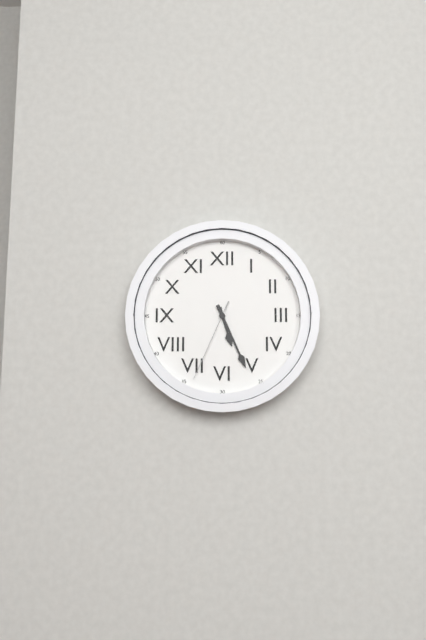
5h26m34s
